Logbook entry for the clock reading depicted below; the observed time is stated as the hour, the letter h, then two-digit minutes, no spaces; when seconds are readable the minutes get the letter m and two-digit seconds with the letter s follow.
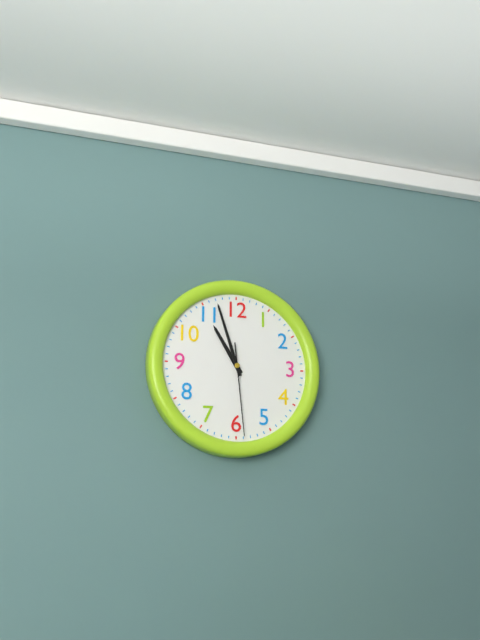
10h57m29s
